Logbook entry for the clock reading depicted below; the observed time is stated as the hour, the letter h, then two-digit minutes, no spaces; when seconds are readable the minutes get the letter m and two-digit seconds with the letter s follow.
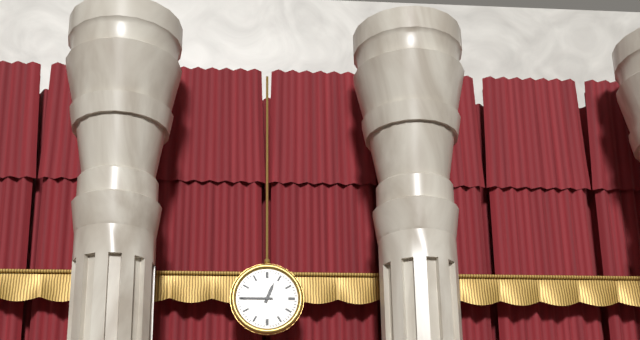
12h45
